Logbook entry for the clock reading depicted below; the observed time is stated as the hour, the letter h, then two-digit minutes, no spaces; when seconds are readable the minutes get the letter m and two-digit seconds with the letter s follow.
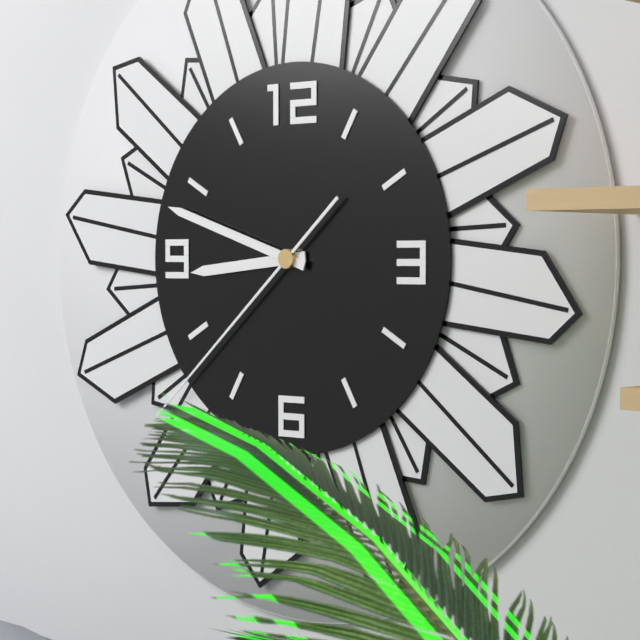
8h48m38s
